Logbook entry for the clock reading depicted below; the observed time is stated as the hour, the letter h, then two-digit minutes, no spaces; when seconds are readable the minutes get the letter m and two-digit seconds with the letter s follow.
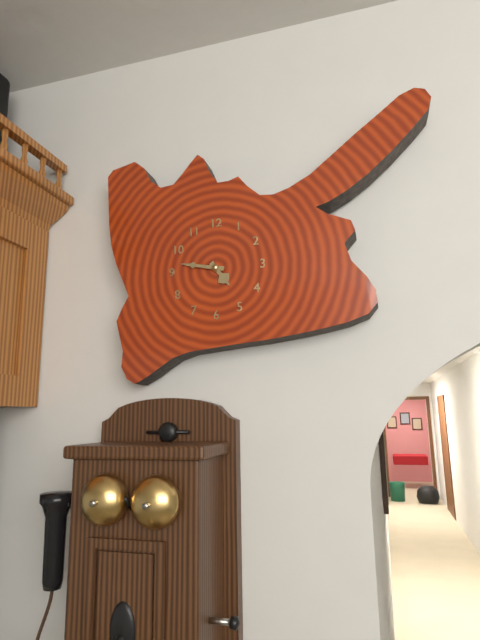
4h47
